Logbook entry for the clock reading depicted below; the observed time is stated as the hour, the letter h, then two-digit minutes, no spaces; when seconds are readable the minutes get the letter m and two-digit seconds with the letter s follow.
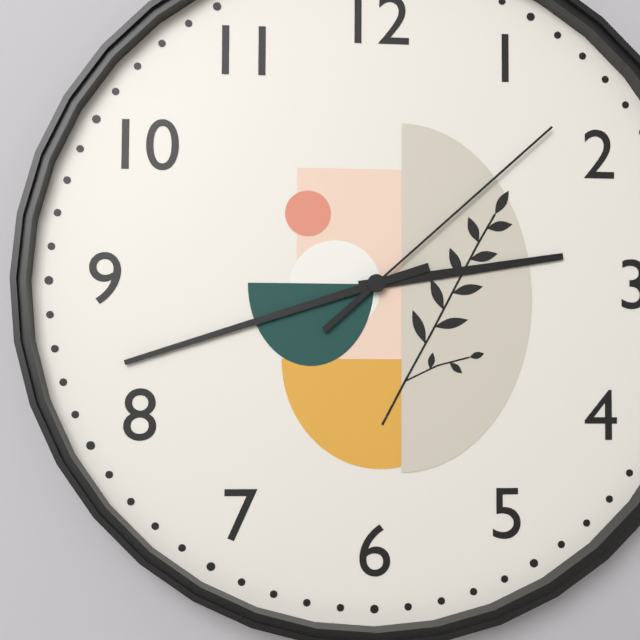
2h42m08s
